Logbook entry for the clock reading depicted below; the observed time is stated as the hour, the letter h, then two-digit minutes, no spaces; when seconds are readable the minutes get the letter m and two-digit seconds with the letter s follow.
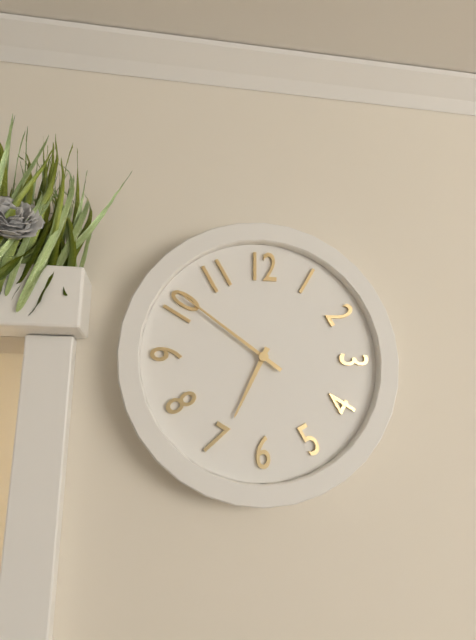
6h51
